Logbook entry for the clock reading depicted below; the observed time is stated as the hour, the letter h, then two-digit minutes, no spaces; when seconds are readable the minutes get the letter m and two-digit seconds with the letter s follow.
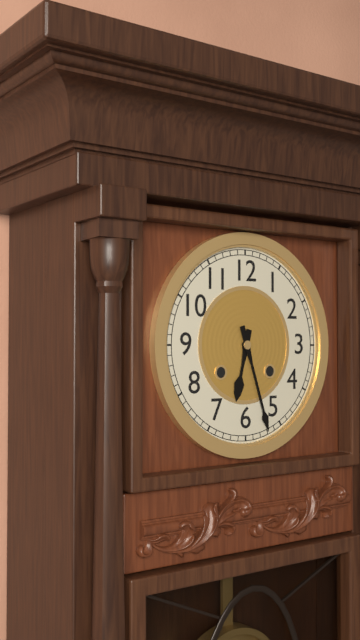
6h27
